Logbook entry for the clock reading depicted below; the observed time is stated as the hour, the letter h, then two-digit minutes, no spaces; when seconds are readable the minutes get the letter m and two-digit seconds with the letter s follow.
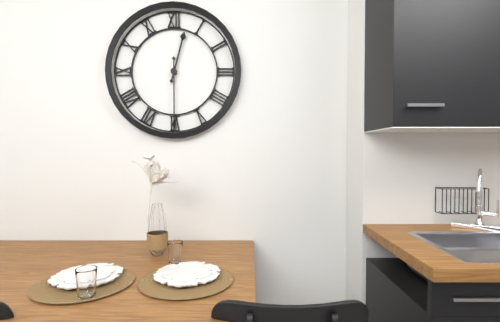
12h30
